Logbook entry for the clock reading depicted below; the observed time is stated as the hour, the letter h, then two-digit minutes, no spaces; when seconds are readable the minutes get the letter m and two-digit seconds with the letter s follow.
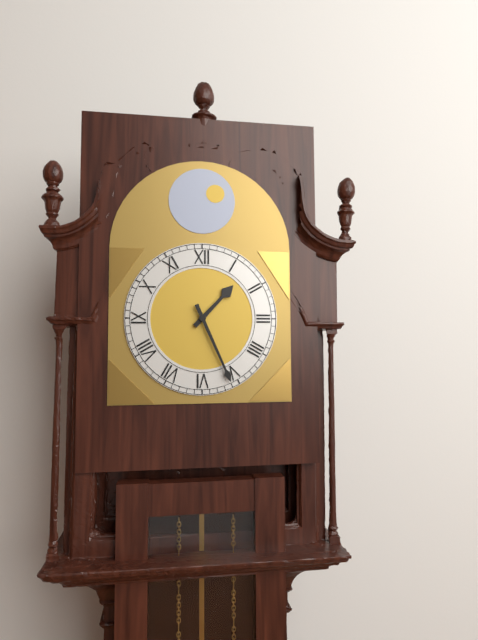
1h26
